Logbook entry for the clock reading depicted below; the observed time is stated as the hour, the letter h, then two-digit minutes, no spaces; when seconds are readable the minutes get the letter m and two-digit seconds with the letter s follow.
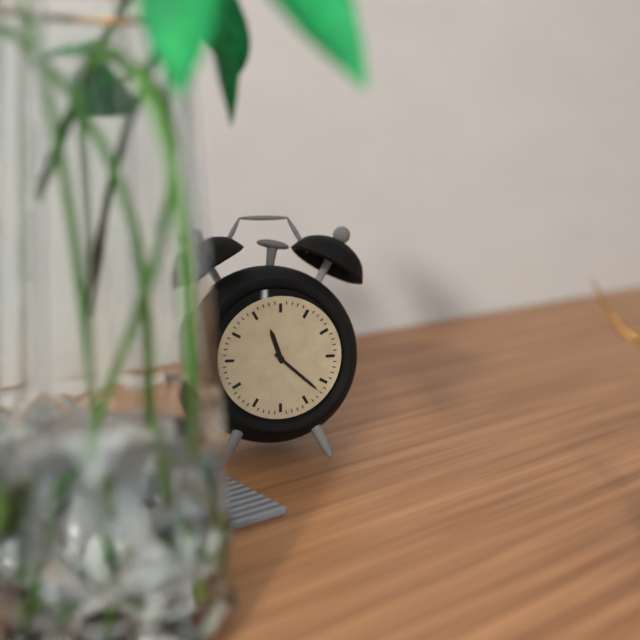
11h22
